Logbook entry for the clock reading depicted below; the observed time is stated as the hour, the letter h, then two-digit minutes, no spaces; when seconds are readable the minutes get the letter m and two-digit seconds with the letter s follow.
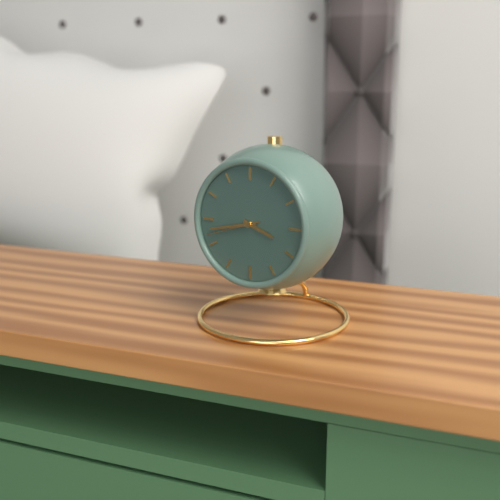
3h43m42s
